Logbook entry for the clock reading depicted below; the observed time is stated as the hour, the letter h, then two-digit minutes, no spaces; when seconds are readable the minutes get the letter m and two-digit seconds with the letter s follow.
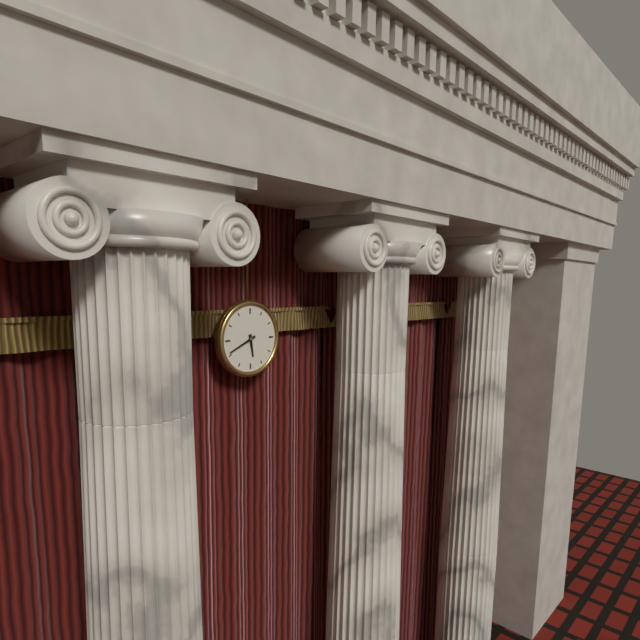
5h41
